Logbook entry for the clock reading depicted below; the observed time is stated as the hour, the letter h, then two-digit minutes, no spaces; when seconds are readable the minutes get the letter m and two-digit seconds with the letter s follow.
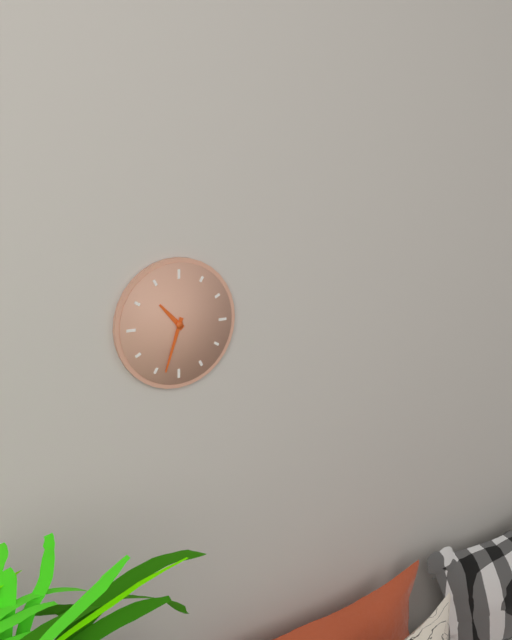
10h33
